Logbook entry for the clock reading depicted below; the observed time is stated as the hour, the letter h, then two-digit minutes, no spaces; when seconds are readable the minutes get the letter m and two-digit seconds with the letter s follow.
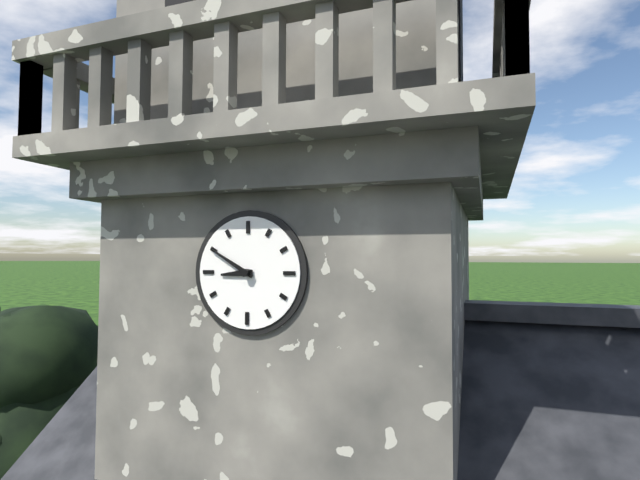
8h50
